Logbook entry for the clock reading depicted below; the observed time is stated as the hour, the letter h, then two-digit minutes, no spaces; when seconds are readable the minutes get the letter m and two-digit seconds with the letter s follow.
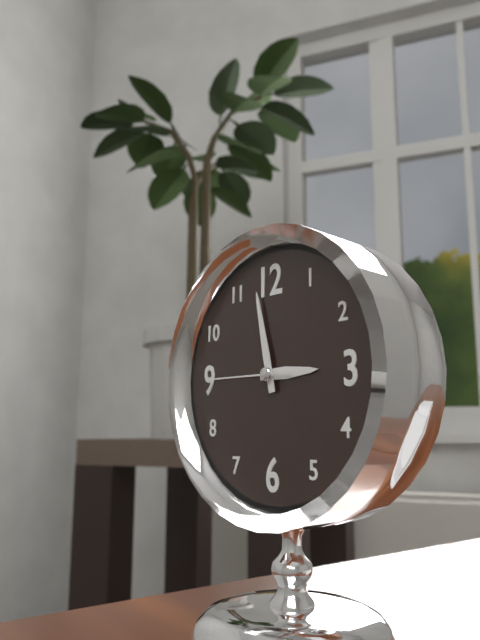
2h58m45s
